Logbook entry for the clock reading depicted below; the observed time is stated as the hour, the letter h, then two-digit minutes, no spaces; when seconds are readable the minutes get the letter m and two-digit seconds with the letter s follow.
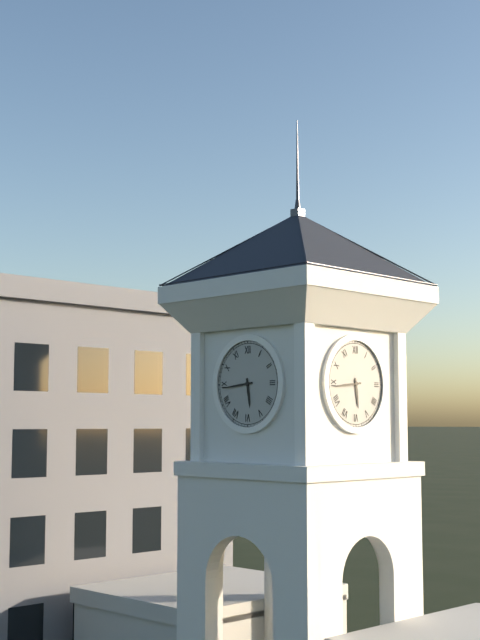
5h44
